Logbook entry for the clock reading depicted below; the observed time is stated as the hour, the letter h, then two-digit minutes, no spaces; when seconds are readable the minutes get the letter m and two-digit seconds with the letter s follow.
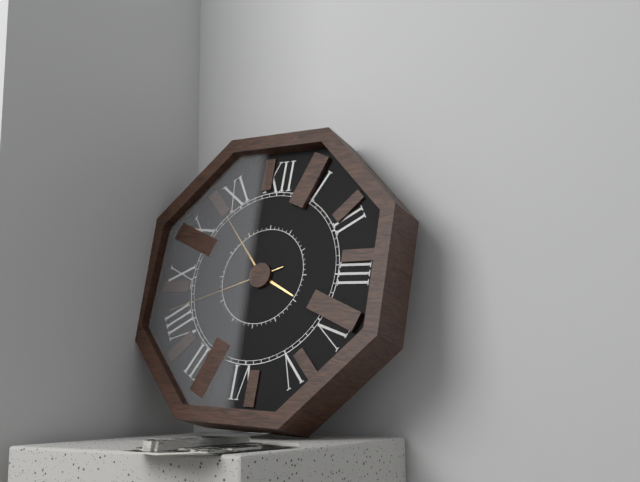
3h53m42s
